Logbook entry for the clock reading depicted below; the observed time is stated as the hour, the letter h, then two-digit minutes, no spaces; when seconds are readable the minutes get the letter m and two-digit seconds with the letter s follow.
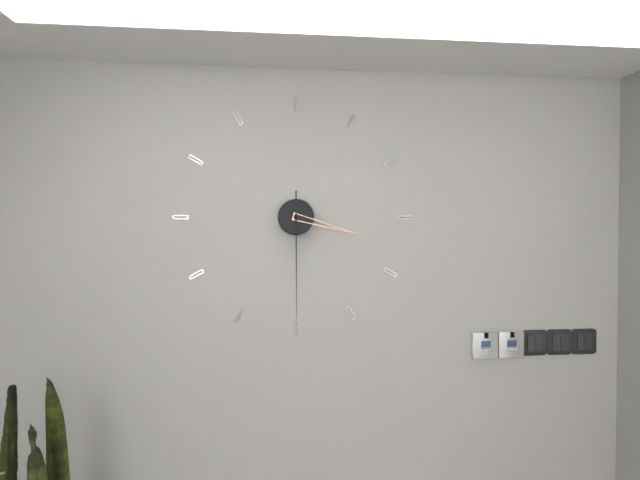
3h30
